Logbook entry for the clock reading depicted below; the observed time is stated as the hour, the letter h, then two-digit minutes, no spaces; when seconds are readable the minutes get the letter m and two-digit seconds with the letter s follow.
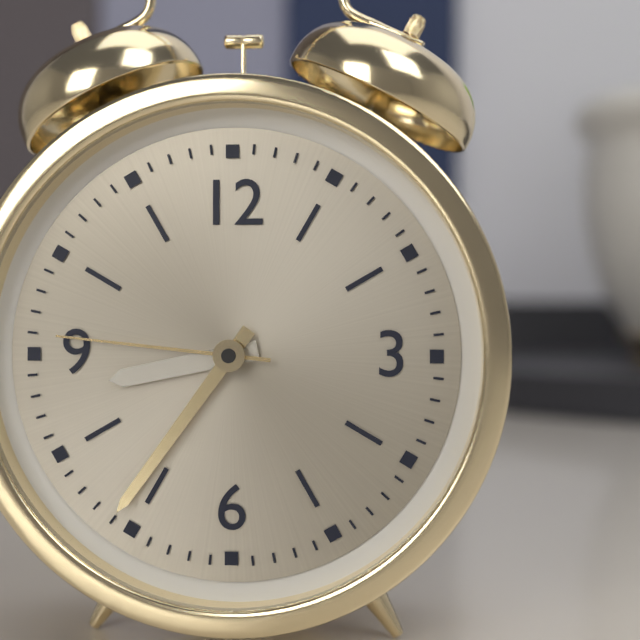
8h36m46s
